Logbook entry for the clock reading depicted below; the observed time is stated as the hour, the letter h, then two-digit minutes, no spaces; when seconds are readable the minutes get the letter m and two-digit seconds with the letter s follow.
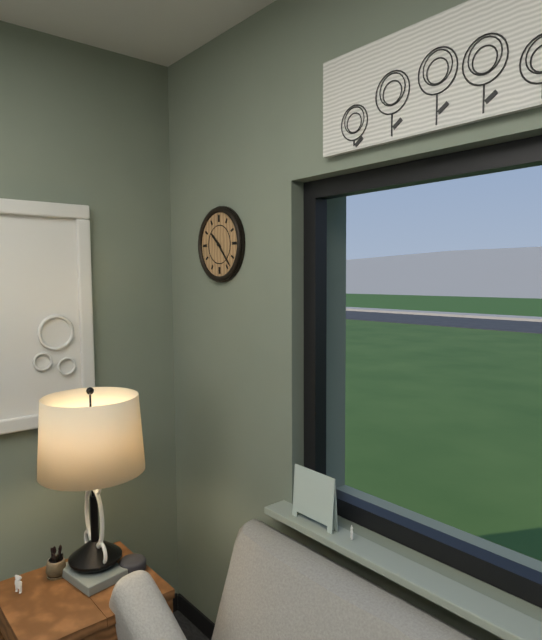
10h23
